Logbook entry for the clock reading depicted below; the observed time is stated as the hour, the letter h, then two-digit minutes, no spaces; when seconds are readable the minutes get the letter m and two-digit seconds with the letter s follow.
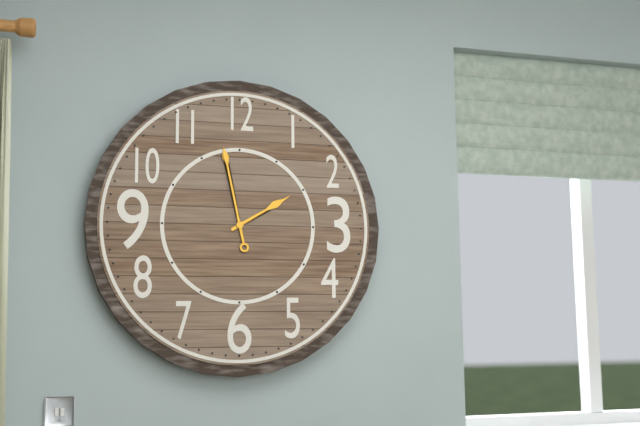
1h58
